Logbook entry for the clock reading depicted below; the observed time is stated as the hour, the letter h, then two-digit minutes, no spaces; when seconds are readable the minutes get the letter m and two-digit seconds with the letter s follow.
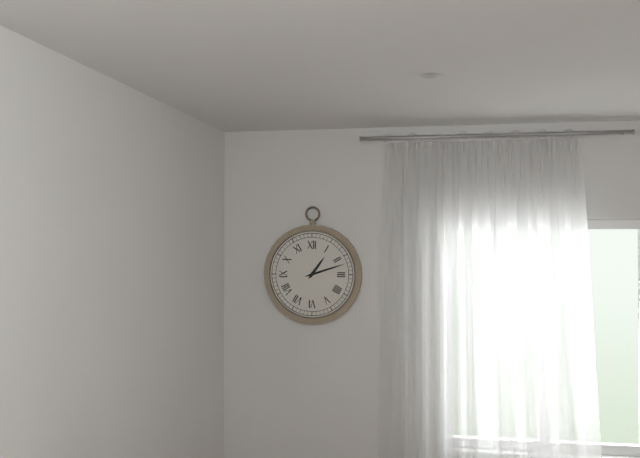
1h12
